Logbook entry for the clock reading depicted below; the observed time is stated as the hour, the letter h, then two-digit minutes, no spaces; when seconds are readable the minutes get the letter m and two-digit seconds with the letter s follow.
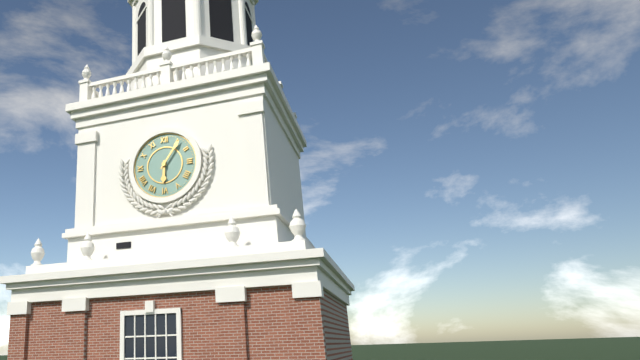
6h06
